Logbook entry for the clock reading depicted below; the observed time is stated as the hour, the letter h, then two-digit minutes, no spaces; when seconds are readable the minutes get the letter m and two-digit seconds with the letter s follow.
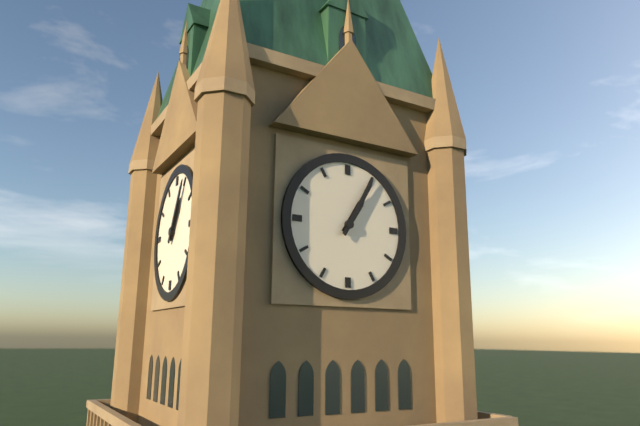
1h05
